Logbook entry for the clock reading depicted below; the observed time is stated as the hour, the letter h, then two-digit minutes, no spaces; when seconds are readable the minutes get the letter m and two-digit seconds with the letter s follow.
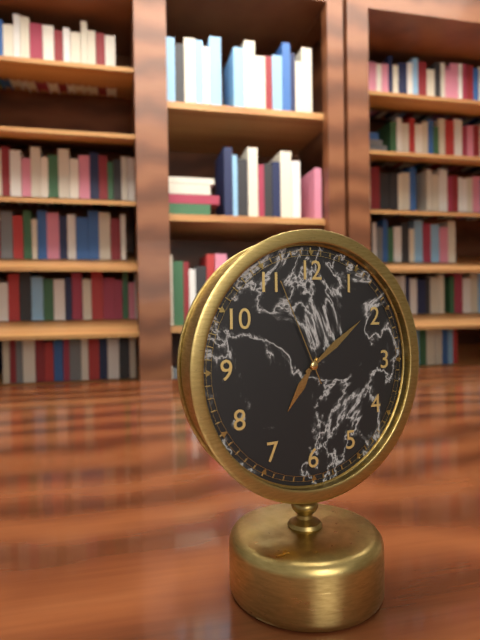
7h09m56s
